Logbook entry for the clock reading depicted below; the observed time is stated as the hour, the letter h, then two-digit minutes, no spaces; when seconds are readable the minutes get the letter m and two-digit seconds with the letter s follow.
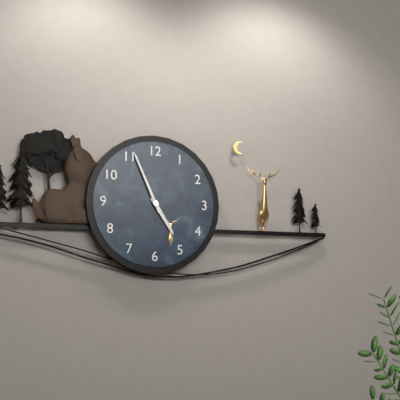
4h56
